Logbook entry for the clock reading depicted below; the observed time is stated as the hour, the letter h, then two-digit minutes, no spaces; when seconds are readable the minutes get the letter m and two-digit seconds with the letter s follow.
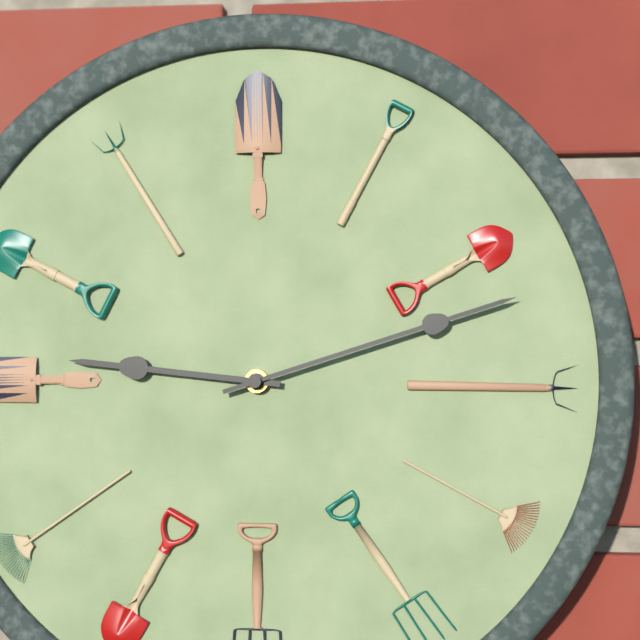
9h12
